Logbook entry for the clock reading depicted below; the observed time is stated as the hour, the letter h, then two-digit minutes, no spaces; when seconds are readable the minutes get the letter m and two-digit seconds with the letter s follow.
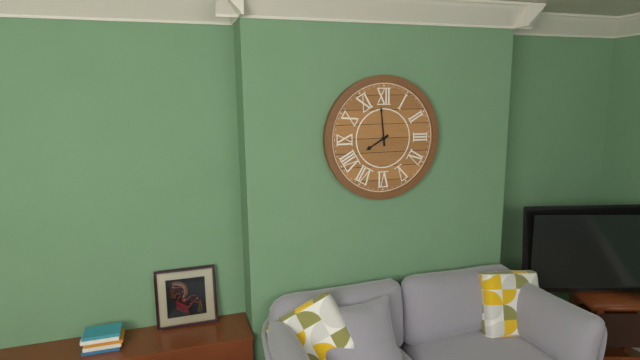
7h59
